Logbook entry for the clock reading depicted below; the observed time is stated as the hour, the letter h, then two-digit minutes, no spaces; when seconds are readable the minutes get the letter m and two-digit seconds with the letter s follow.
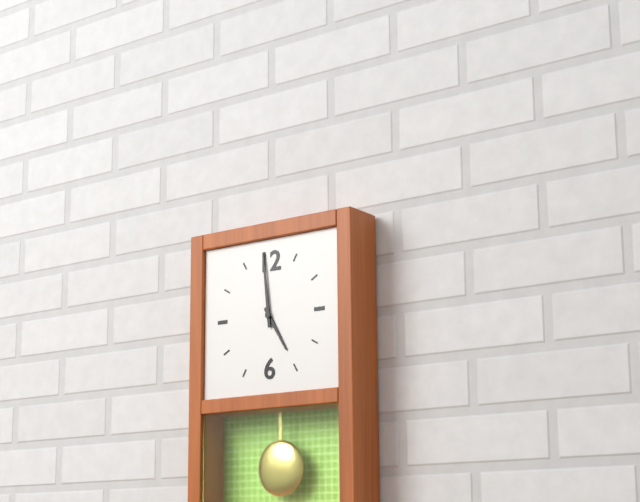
4h59
